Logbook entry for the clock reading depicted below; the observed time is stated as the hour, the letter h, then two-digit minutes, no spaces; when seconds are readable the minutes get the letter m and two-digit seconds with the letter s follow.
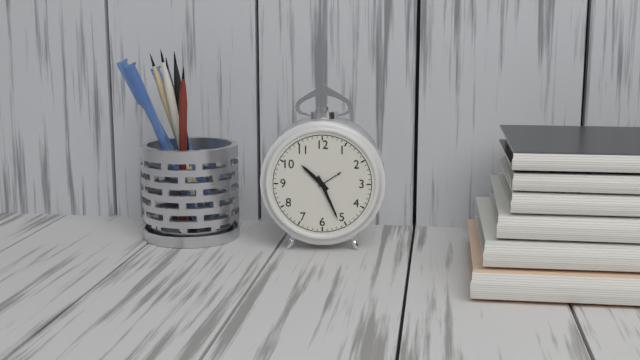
10h26
